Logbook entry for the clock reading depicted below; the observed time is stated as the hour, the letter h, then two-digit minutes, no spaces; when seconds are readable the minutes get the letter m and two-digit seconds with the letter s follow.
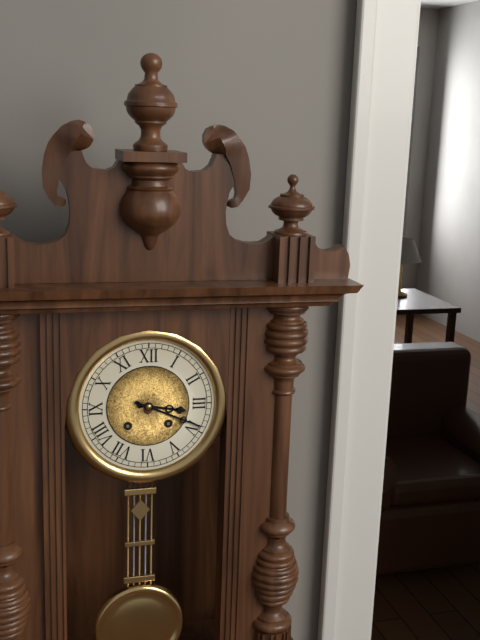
3h19
